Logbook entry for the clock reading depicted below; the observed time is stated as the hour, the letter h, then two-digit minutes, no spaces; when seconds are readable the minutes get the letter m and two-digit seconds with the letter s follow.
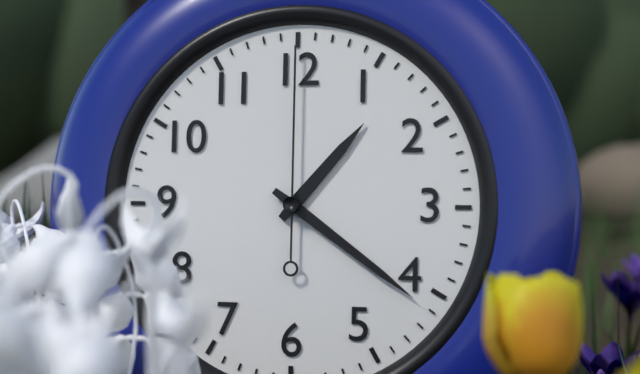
1h21m00s
